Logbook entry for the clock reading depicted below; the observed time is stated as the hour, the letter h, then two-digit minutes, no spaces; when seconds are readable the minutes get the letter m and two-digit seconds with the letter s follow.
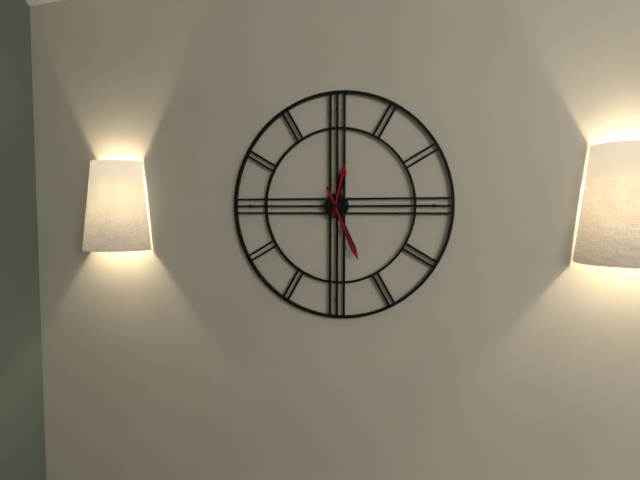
12h26
